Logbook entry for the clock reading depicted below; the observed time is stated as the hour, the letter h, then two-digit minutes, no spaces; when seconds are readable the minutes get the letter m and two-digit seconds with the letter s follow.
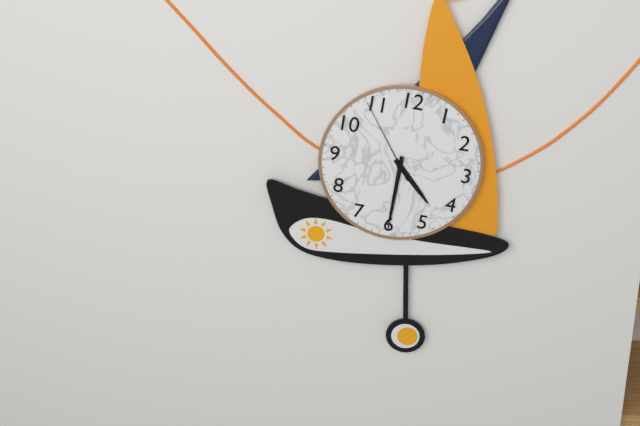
4h30m54s
